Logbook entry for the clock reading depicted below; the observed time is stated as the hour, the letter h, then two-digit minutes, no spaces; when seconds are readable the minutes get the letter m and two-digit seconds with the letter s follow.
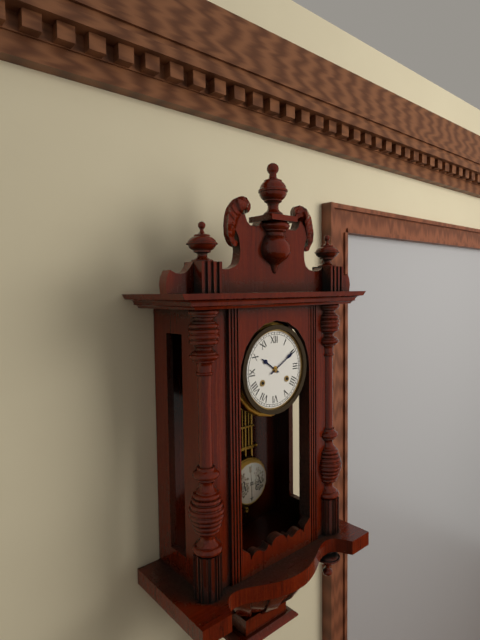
10h10
